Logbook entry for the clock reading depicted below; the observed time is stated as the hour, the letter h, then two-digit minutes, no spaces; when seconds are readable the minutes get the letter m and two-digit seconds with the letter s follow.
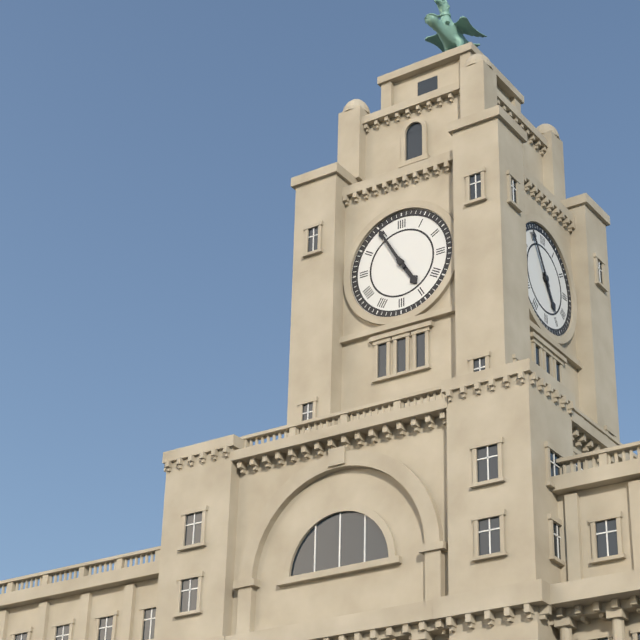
4h55
